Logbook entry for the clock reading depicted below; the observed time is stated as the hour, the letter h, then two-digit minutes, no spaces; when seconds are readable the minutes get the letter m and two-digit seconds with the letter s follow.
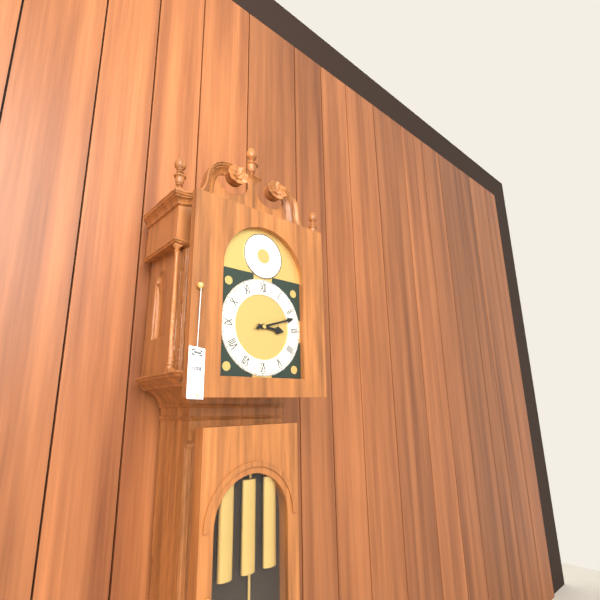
3h12
